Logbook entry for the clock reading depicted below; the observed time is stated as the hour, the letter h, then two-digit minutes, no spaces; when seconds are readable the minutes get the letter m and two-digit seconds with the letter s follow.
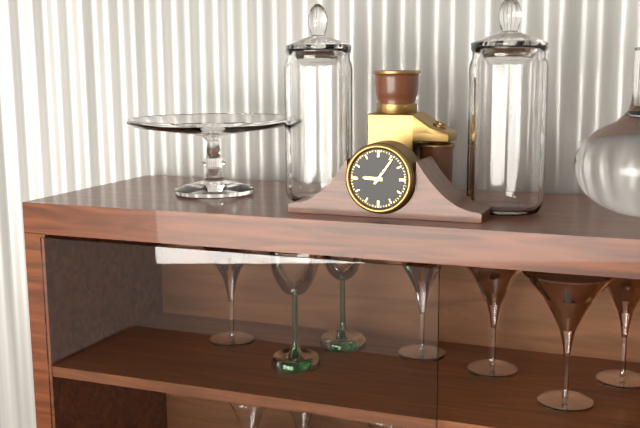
9h06
